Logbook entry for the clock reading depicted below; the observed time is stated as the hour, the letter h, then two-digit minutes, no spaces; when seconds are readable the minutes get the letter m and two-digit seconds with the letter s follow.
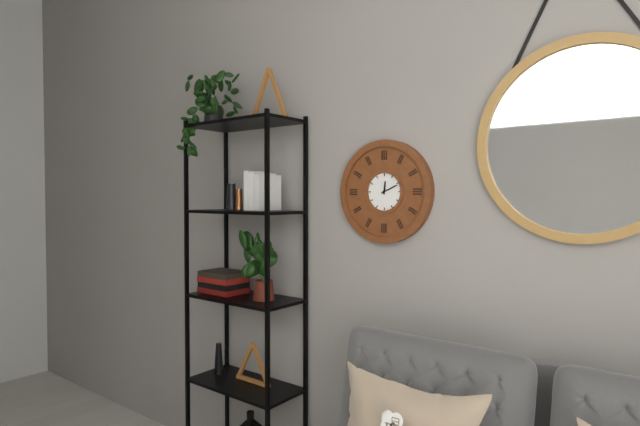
12h11
